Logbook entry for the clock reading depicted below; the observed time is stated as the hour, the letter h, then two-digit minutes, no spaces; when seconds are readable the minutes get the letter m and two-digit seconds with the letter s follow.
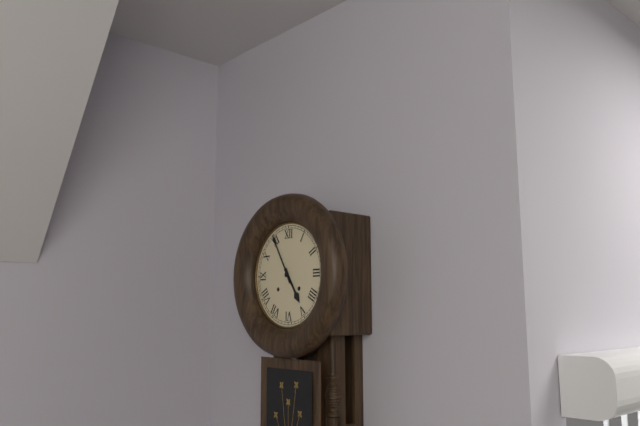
4h55
